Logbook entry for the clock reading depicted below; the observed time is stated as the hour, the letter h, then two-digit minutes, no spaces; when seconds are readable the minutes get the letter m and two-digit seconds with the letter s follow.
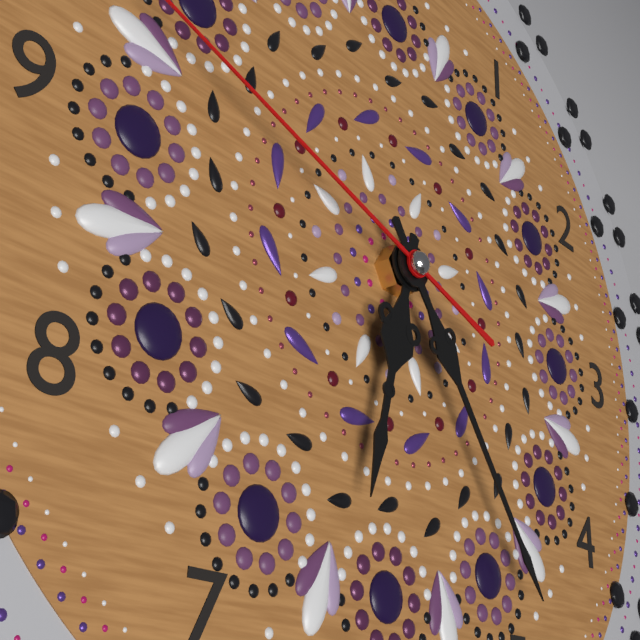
6h24
